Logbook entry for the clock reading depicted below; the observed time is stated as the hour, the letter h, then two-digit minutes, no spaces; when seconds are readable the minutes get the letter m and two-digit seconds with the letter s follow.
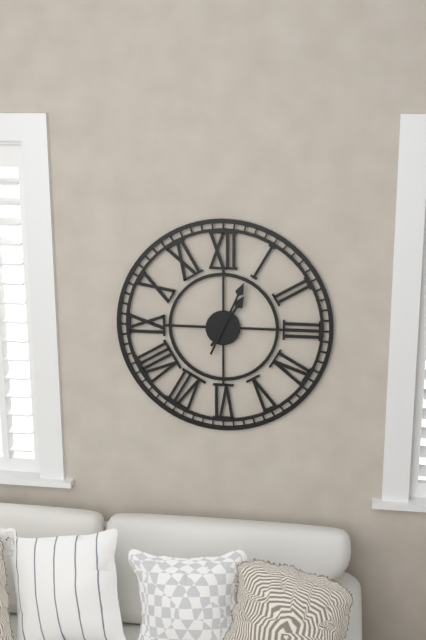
1h04
